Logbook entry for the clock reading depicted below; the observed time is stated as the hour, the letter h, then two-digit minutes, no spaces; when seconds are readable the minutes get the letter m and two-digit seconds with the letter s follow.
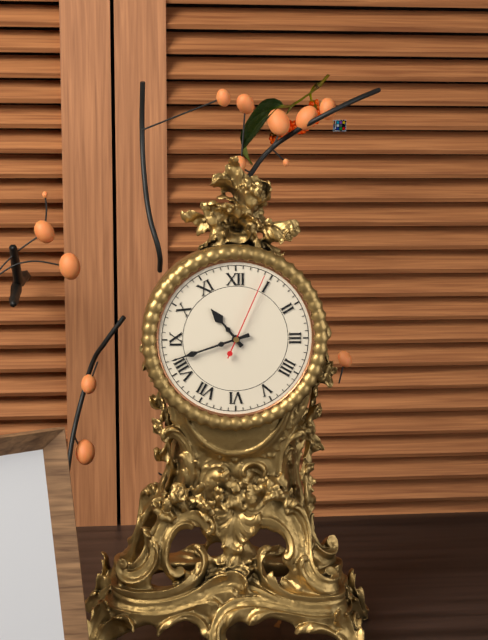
10h42m04s
